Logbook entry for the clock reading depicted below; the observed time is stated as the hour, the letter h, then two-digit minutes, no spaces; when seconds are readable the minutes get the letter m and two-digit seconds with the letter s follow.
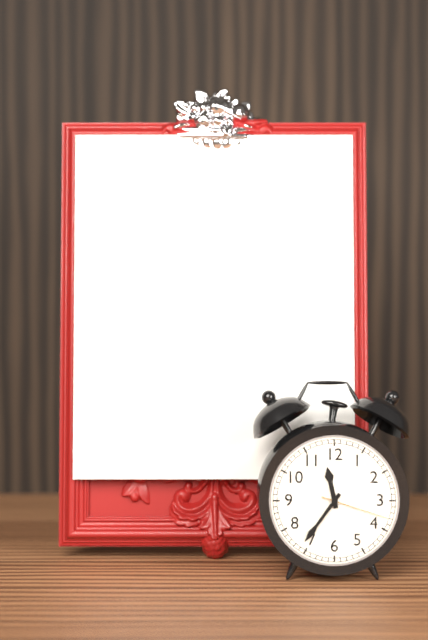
11h36m18s
